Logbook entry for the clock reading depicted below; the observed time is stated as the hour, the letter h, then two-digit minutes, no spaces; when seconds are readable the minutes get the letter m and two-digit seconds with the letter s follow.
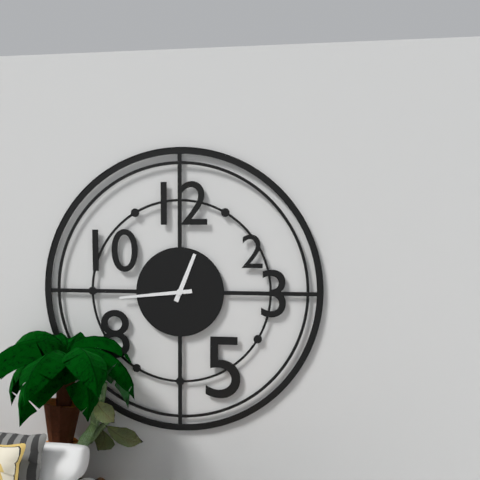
12h44
